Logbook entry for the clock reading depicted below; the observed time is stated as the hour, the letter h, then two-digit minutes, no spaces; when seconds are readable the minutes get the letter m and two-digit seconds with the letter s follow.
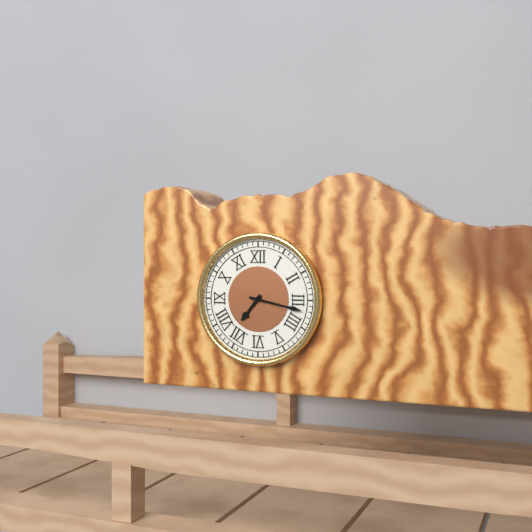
7h17
